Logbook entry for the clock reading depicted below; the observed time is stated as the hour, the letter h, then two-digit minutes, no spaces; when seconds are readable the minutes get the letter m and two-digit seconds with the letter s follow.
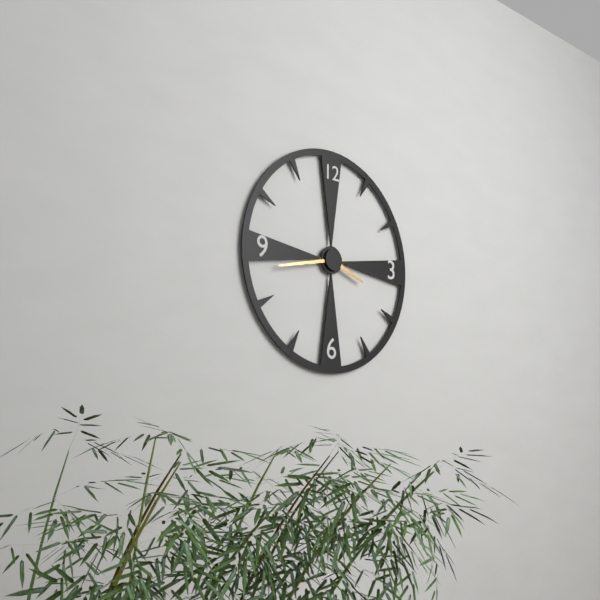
3h43
